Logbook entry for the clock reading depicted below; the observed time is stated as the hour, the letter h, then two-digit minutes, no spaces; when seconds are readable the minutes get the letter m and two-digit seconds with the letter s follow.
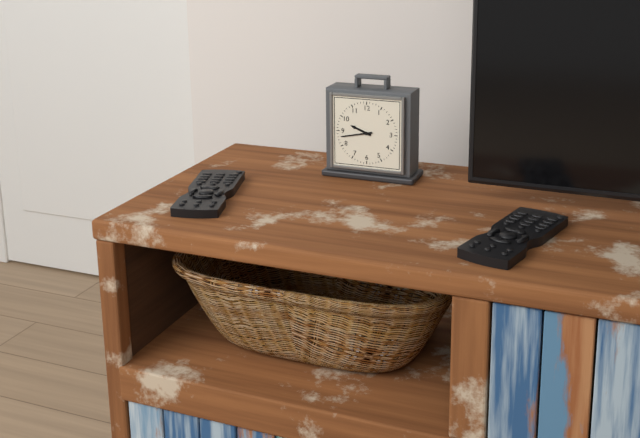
9h43
